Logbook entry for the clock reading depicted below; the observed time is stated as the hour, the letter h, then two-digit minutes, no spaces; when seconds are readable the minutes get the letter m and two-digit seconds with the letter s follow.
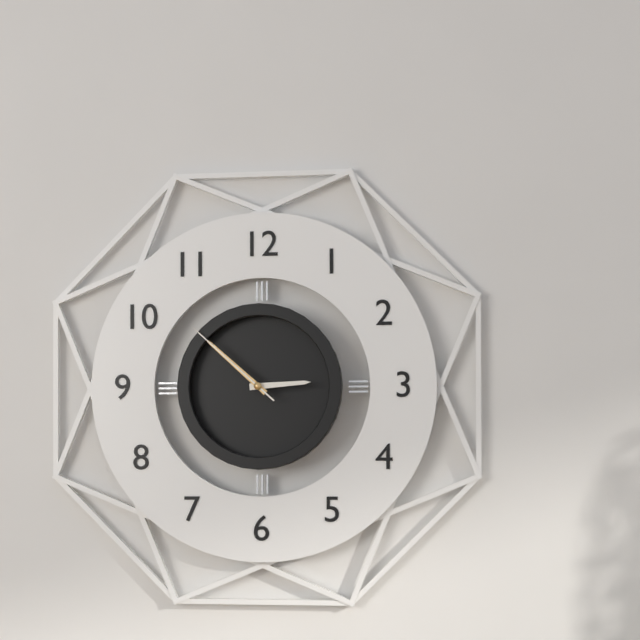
2h52m52s
